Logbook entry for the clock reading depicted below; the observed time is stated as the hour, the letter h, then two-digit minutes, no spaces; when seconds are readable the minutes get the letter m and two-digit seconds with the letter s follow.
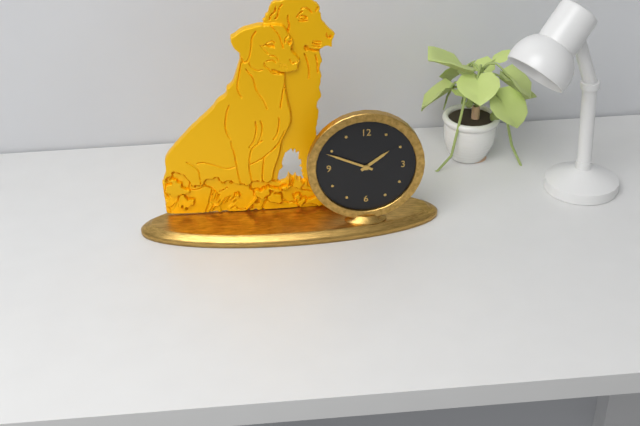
1h49
